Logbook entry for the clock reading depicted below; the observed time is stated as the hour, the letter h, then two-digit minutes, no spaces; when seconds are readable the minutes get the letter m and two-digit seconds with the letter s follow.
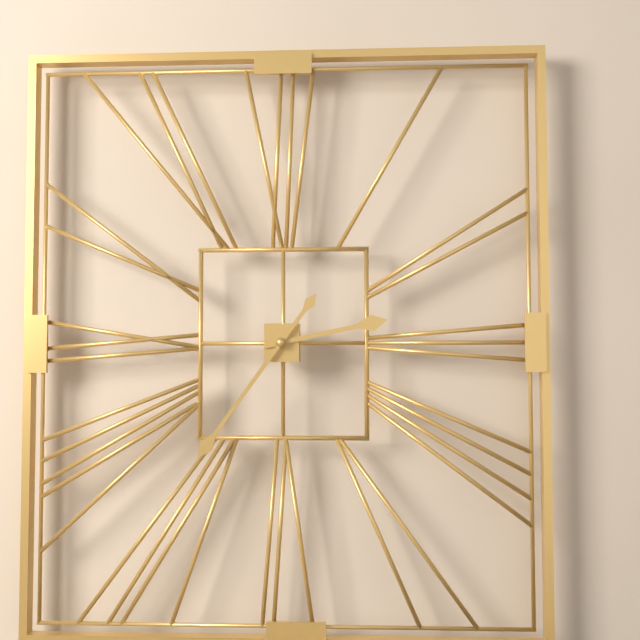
2h36
